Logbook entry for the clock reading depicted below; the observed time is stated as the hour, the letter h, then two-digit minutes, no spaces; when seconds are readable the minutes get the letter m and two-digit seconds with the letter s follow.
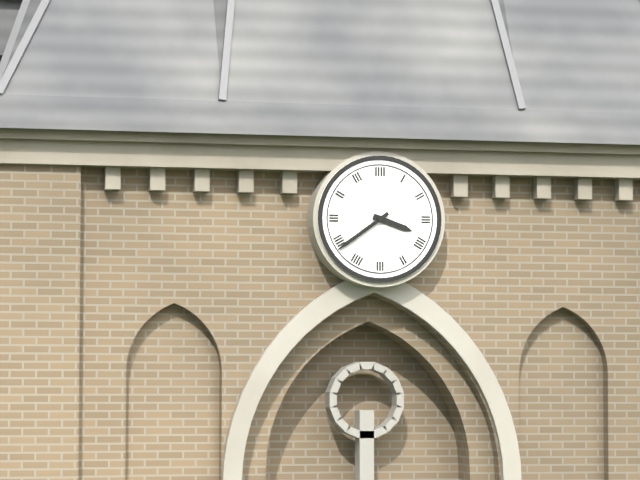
3h39
